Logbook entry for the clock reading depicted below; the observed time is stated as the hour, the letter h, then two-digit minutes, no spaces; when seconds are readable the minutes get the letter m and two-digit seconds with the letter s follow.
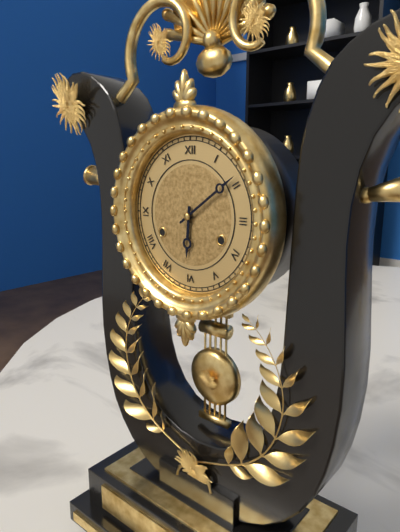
6h09
